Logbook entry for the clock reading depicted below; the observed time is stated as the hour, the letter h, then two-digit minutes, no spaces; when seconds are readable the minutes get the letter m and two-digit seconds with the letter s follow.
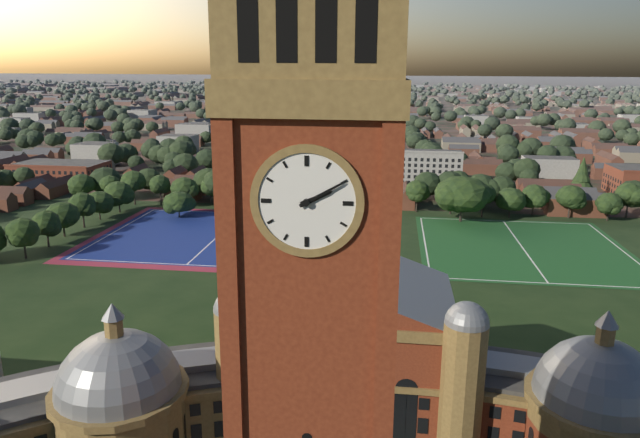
2h10
